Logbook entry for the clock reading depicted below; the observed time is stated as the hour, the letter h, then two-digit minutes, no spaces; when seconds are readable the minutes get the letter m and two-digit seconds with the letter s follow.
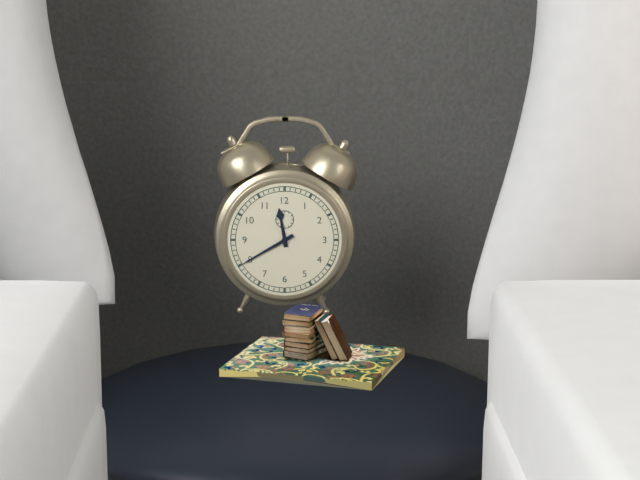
11h40
